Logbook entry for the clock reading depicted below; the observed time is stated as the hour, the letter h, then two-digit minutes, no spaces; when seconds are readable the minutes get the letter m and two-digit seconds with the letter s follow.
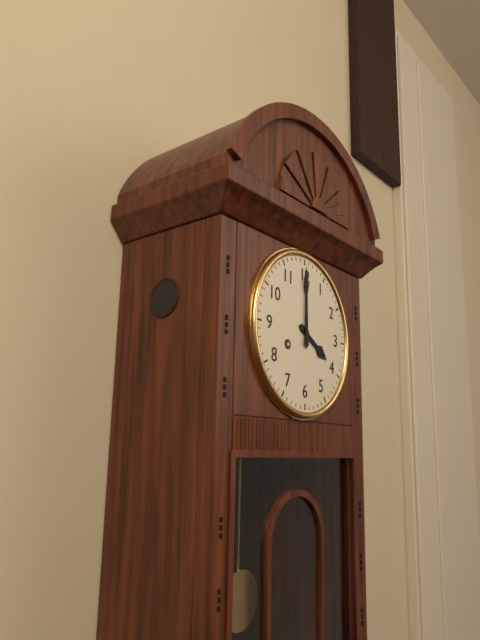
4h00
